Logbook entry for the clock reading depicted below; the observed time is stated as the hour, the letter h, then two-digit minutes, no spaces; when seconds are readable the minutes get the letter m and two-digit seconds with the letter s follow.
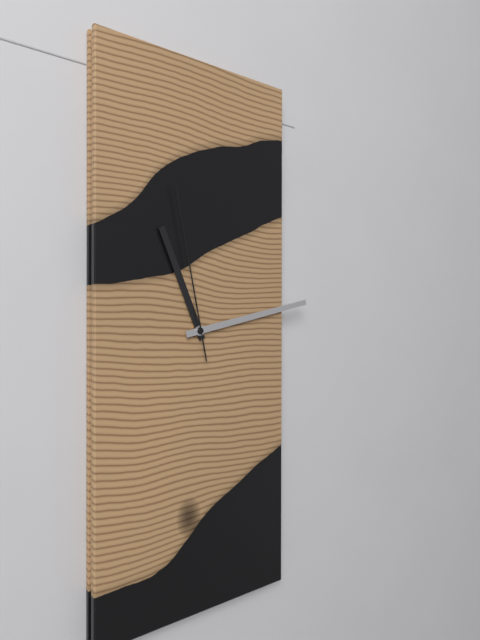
11h13m58s
